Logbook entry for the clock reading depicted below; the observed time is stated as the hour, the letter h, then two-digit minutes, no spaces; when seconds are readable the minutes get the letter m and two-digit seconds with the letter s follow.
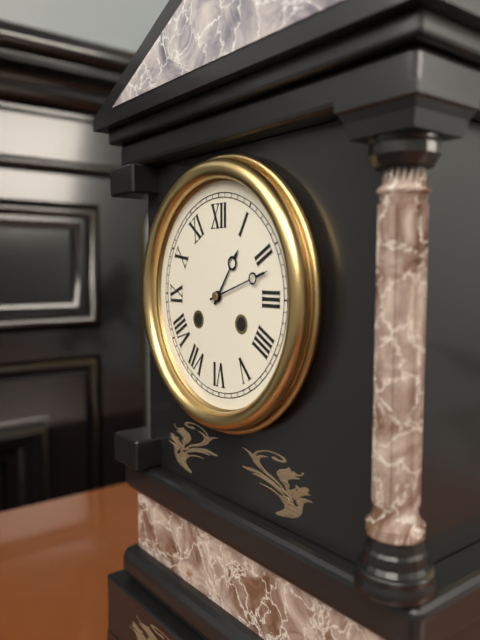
1h12
